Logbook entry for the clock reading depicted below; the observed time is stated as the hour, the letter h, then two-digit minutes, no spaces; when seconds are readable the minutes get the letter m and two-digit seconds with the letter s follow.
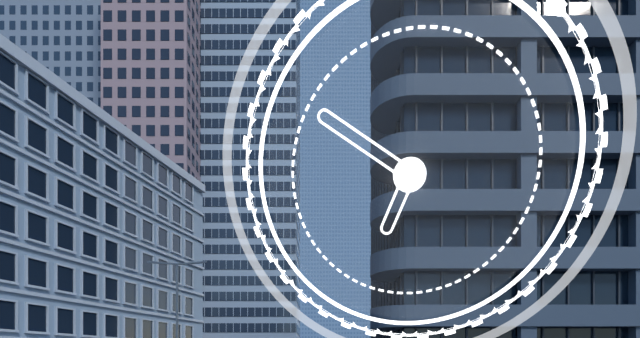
6h51
